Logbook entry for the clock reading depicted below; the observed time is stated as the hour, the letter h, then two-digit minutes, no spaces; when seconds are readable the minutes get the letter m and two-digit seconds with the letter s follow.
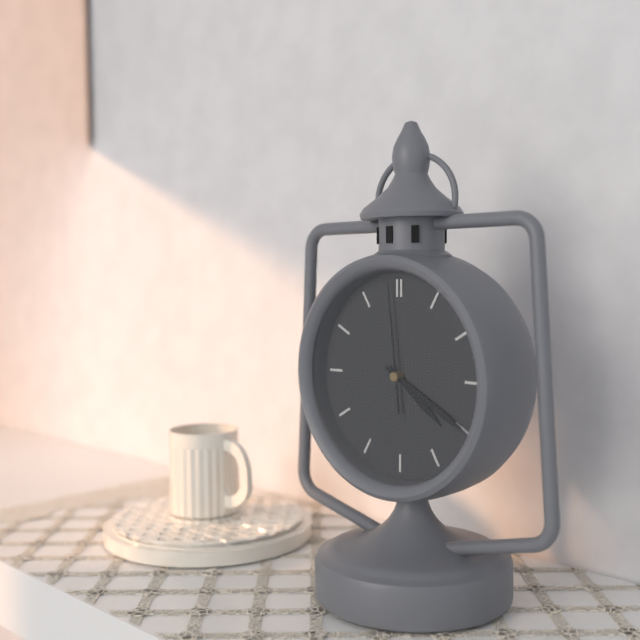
4h20m59s
